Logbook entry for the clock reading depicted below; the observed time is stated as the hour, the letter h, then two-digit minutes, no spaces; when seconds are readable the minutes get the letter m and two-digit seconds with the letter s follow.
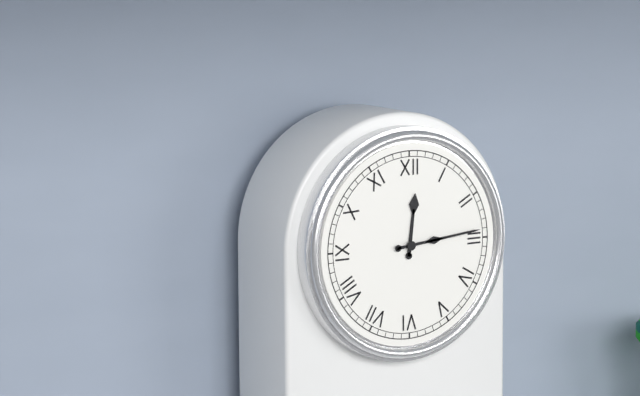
12h14
